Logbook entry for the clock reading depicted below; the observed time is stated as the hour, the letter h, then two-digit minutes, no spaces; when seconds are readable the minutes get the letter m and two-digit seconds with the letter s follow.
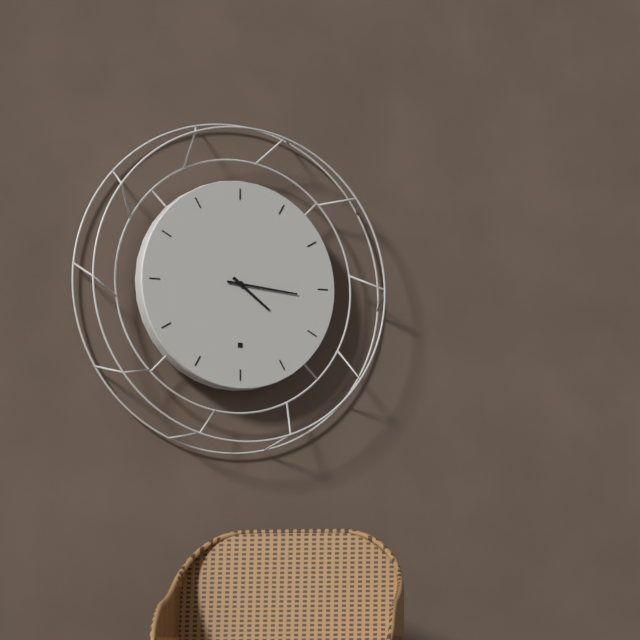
4h16
